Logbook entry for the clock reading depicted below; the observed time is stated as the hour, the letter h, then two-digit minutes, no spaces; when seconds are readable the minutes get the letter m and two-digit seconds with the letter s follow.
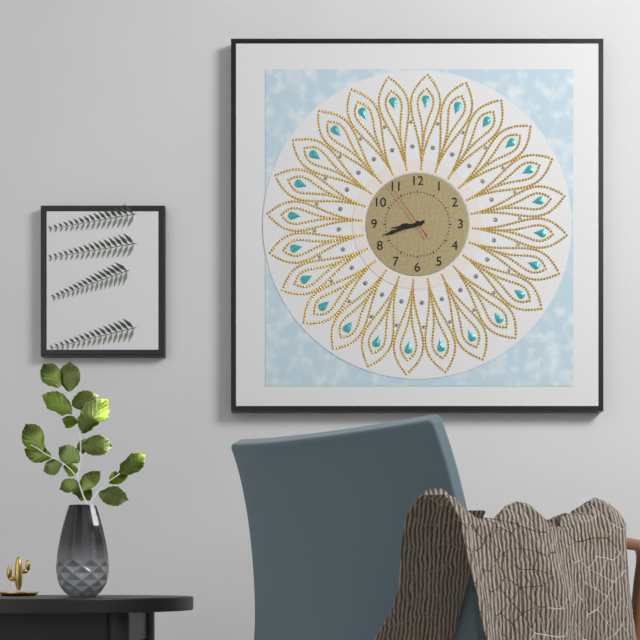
8h42m54s
